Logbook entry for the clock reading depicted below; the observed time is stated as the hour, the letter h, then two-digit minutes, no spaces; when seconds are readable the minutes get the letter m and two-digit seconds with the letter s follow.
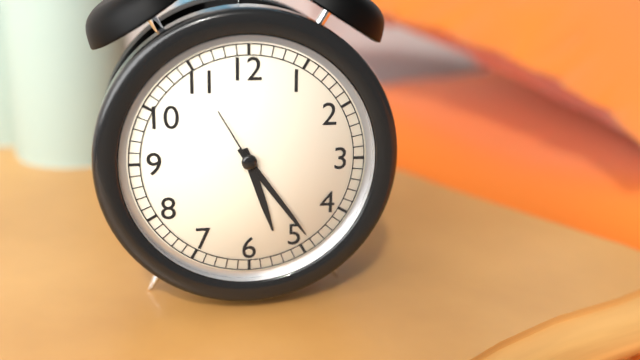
5h24m55s
